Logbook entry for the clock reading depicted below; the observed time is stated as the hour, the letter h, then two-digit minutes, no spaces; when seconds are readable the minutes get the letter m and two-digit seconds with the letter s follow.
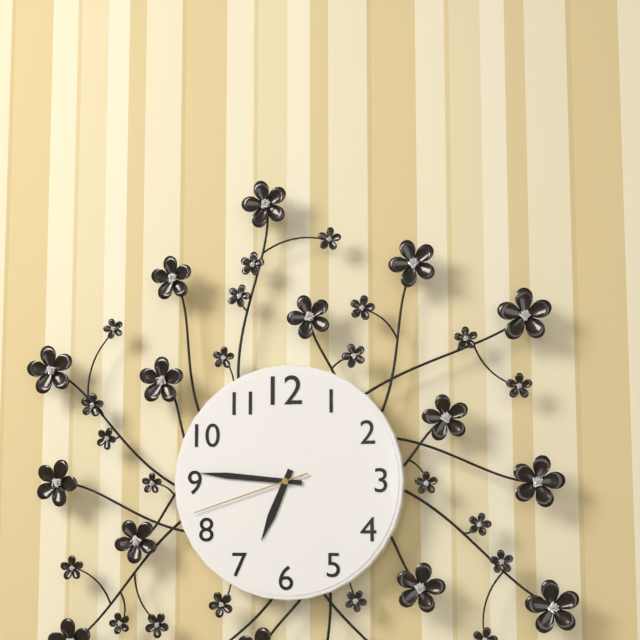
6h46m42s
